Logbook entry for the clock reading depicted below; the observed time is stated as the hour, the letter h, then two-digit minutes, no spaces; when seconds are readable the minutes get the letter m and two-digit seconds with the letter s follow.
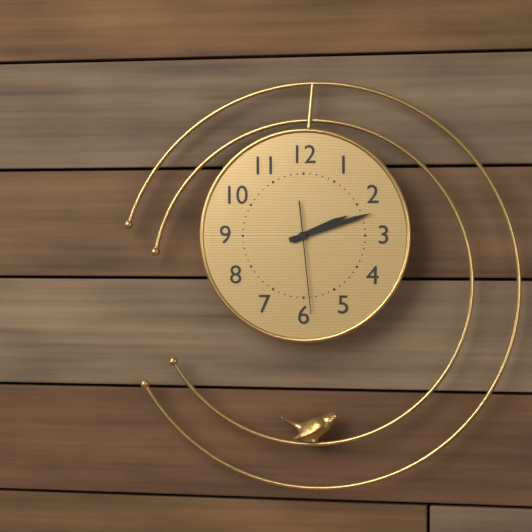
2h12m29s
